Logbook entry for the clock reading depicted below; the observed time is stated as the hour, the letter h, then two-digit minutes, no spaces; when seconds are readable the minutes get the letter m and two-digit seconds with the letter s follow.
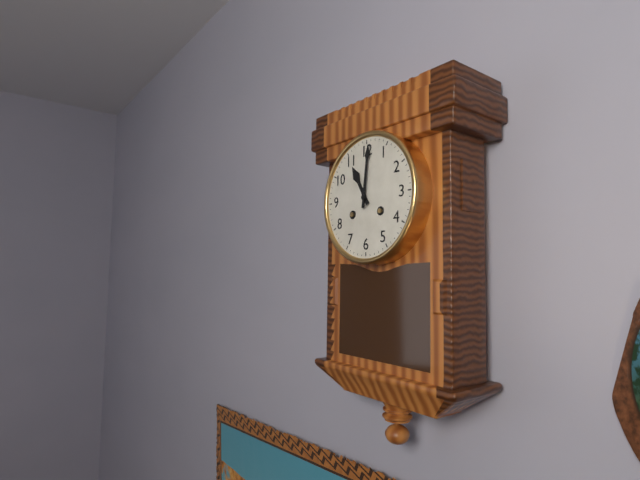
11h01
